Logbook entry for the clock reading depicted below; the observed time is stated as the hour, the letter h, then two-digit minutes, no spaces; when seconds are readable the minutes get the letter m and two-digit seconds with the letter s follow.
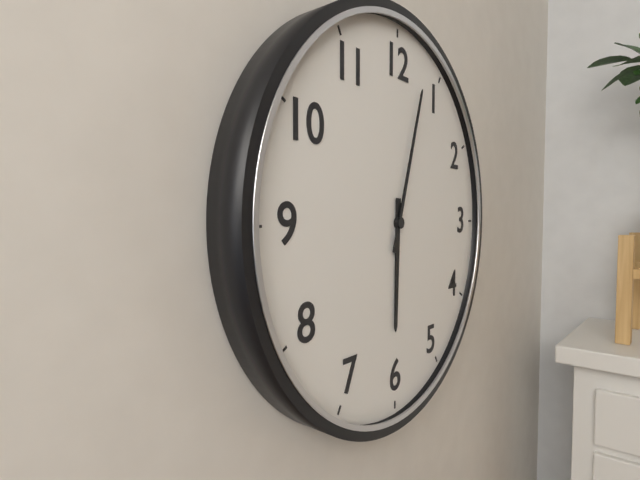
6h03
